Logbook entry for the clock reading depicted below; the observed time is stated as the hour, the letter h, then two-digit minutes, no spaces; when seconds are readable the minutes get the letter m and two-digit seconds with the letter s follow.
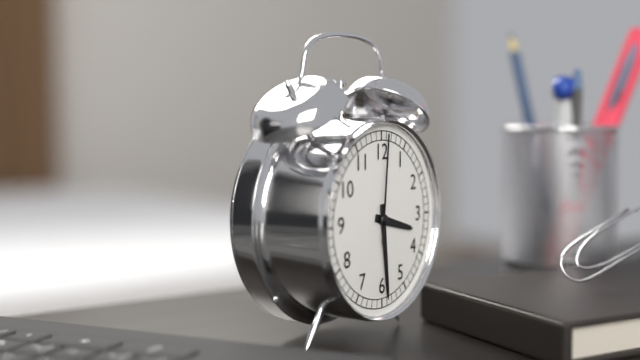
3h29m01s
